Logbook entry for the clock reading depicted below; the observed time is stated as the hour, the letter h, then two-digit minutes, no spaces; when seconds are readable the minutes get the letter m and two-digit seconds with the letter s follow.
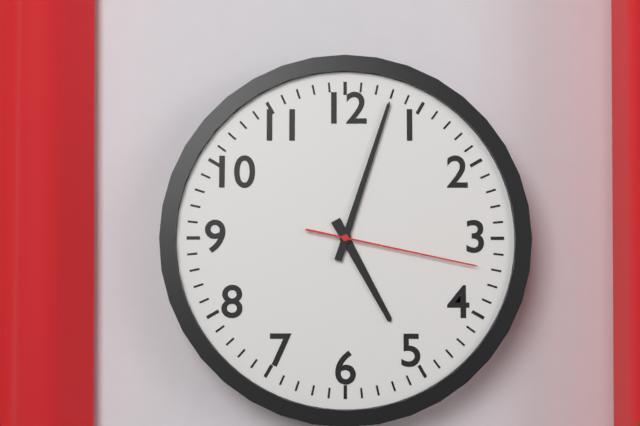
5h03m17s
